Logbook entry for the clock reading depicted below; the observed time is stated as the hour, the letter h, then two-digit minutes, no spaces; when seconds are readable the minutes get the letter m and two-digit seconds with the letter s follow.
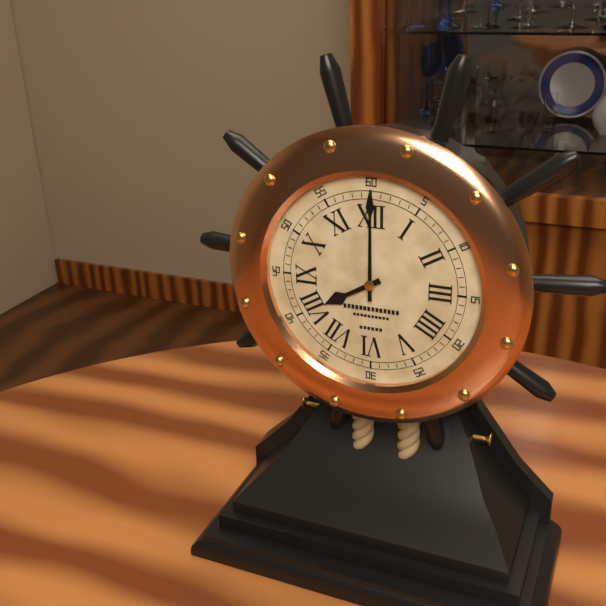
8h00
